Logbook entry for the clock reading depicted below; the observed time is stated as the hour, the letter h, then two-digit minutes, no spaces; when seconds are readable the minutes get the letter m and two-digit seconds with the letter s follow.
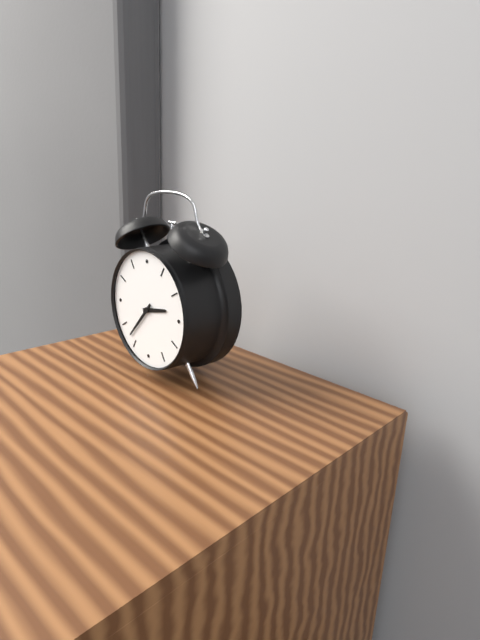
2h37
